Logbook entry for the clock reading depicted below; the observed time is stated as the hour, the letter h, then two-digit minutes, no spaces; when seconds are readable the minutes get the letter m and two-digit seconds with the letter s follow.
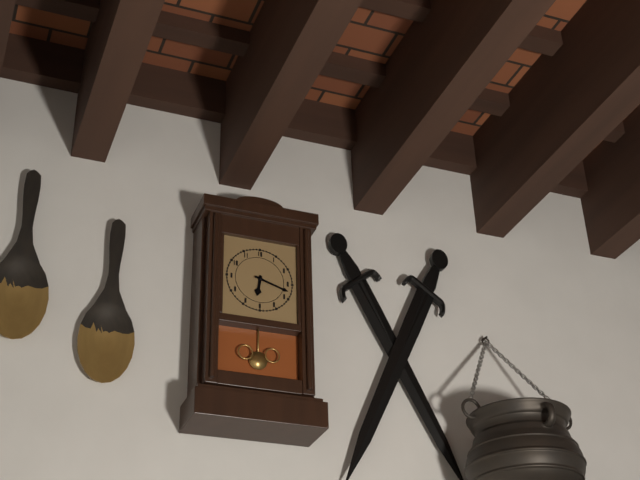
6h18
